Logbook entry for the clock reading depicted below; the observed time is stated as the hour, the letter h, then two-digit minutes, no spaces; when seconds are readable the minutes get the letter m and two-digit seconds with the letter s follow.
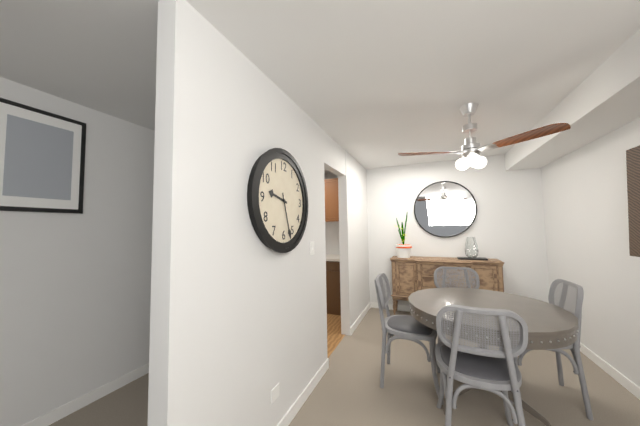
9h27
